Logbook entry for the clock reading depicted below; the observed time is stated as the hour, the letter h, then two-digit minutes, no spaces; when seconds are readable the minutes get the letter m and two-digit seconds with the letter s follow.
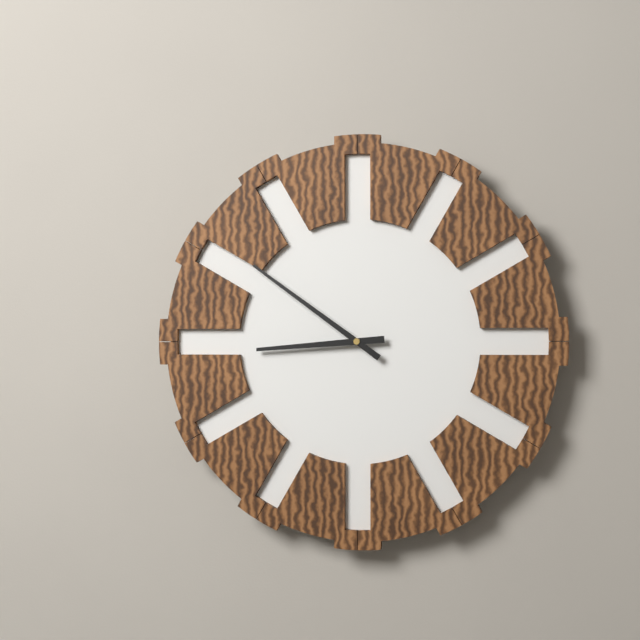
8h51
